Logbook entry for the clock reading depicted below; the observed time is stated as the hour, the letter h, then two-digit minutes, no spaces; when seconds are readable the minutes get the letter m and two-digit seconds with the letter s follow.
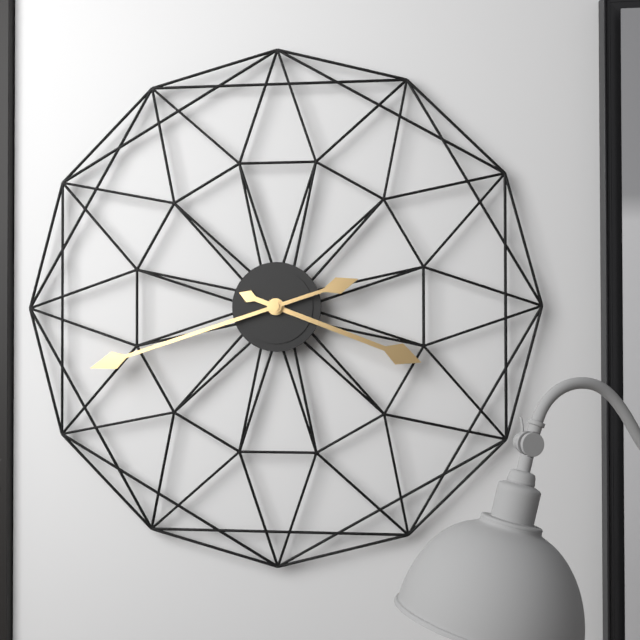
3h42
